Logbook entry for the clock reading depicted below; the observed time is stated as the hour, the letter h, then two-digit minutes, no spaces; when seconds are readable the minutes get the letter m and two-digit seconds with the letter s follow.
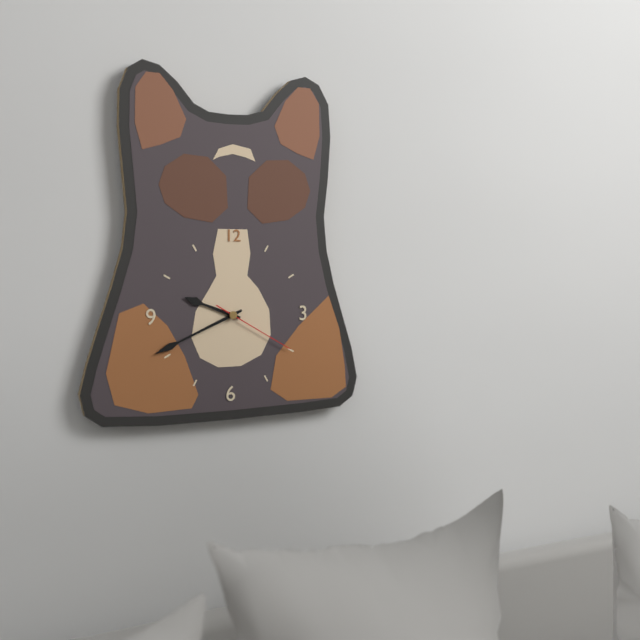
9h41m20s
